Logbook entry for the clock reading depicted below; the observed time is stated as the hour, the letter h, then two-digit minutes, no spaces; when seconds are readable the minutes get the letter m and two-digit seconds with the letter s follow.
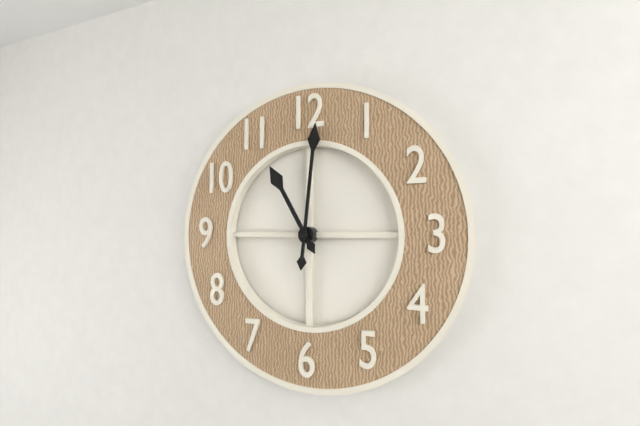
11h01
